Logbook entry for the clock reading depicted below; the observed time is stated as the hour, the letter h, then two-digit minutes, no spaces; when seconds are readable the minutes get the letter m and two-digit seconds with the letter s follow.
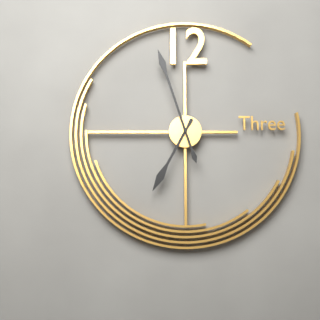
6h57
